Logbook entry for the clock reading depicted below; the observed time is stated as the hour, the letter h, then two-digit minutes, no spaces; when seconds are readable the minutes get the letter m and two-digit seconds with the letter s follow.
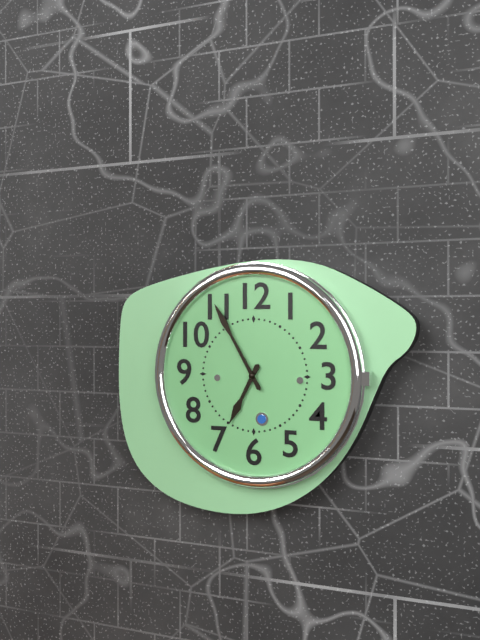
6h55
